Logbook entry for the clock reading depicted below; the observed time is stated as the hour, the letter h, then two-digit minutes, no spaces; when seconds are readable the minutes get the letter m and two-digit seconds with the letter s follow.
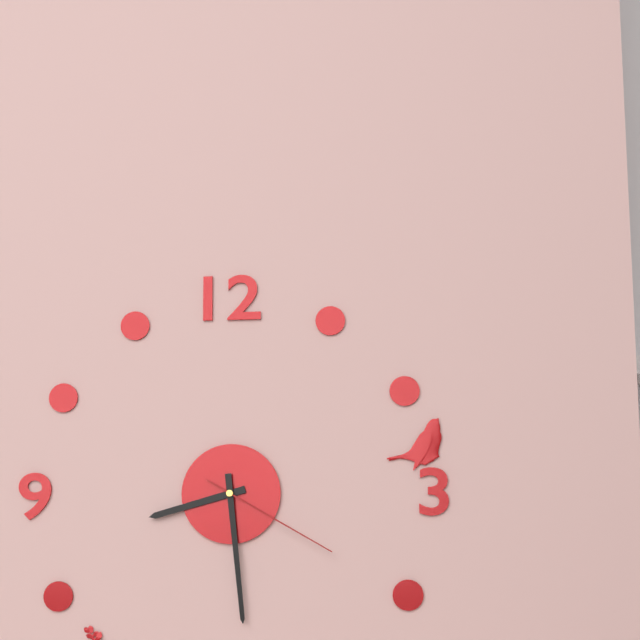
8h29m20s
